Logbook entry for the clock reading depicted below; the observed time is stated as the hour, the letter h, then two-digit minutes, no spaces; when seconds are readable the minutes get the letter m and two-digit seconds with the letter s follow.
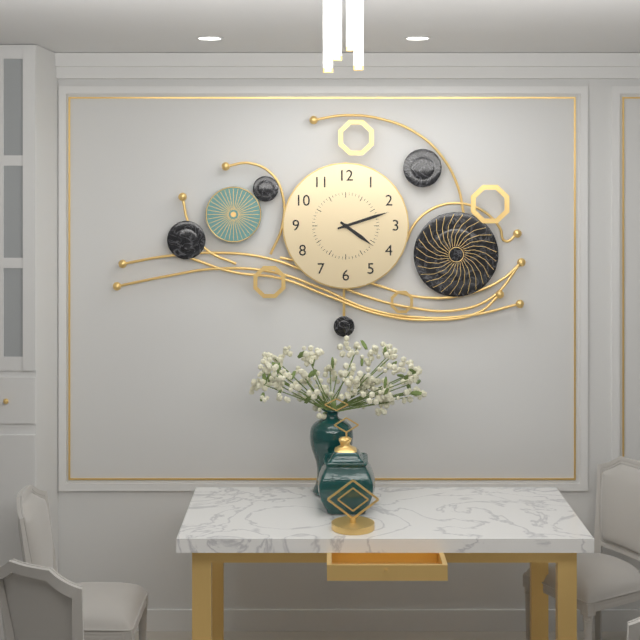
4h12
